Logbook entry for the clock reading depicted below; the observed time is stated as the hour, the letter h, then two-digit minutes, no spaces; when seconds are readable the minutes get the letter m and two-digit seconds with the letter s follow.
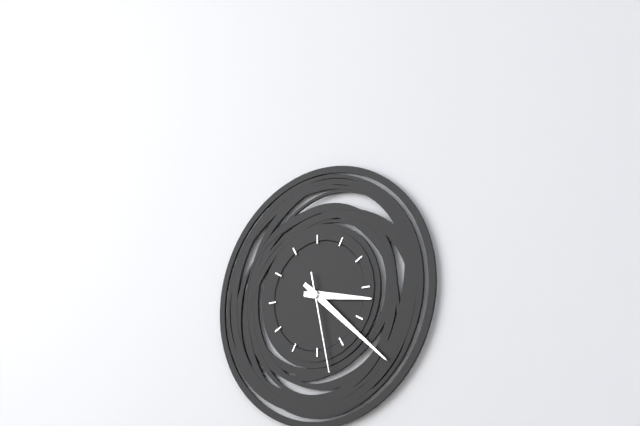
3h22m28s
